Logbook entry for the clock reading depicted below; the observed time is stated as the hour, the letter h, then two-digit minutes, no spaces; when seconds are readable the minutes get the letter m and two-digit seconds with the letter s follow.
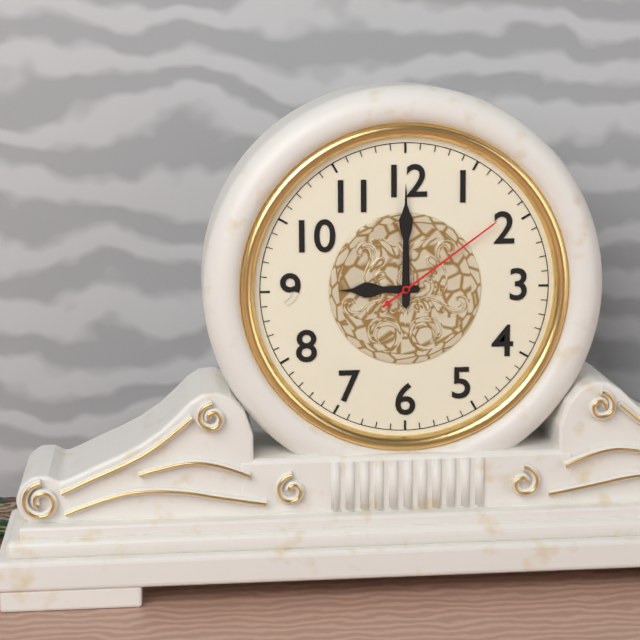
9h00m09s
